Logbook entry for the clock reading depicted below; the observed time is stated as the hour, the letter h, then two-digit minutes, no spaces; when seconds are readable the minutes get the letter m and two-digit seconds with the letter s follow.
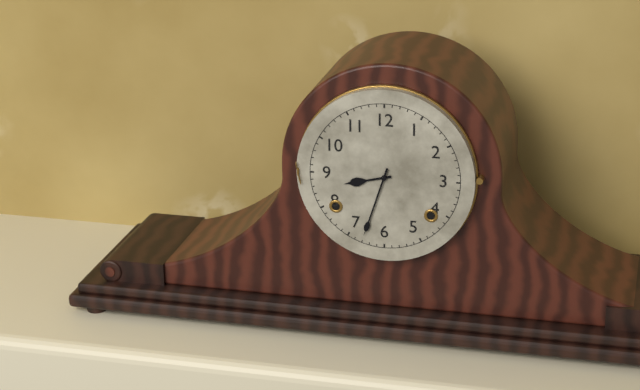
8h33
